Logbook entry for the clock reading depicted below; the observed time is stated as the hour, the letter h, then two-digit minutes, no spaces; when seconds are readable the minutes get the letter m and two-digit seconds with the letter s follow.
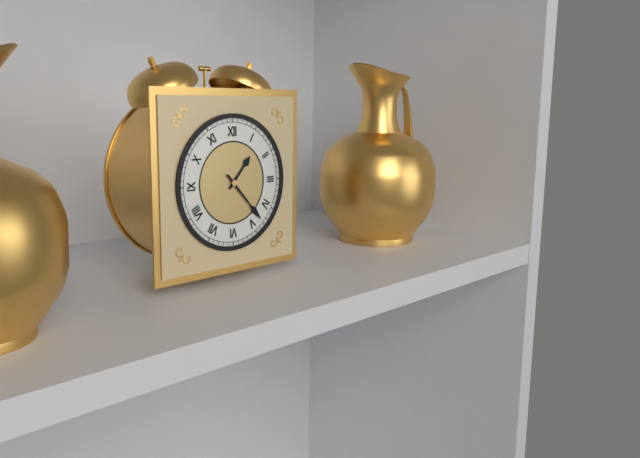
1h23
